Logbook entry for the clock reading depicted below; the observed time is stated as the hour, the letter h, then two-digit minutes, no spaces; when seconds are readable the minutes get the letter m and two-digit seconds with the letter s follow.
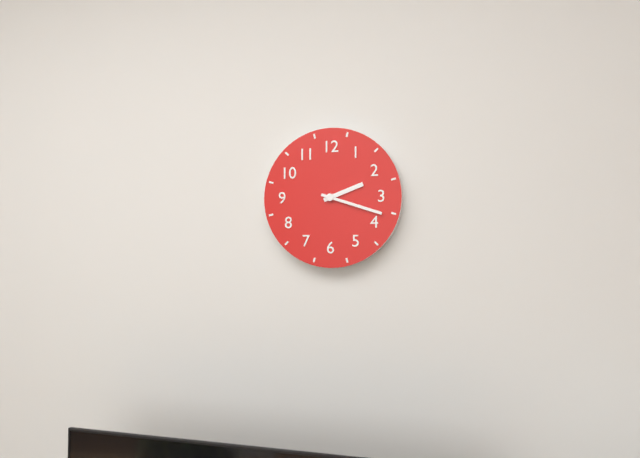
2h18
